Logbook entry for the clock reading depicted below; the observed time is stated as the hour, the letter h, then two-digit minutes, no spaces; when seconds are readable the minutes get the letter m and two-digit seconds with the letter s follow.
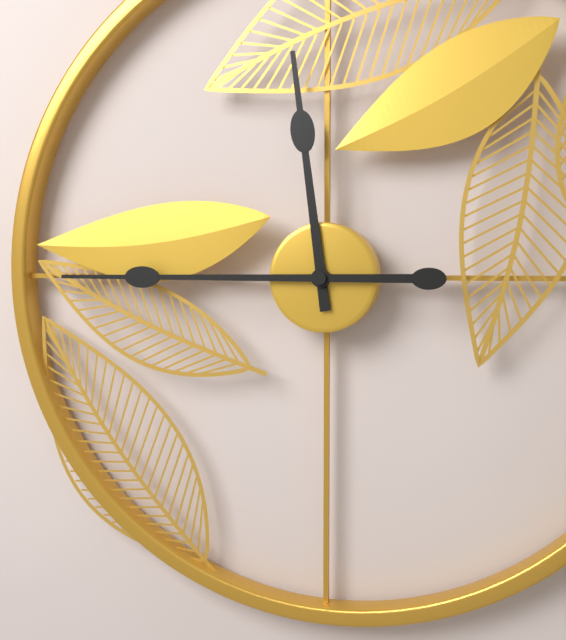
11h45
